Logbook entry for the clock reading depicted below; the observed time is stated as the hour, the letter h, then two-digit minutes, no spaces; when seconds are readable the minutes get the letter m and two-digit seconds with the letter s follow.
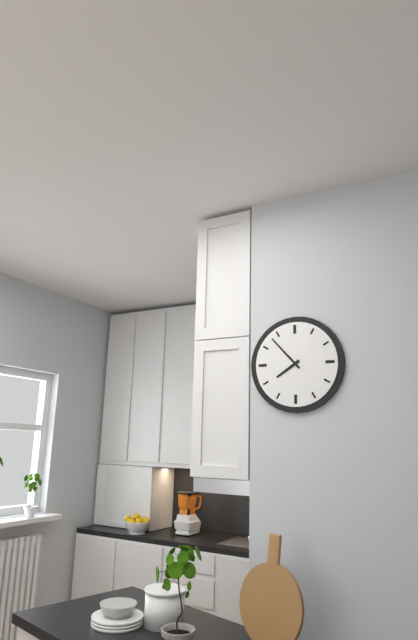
7h53
